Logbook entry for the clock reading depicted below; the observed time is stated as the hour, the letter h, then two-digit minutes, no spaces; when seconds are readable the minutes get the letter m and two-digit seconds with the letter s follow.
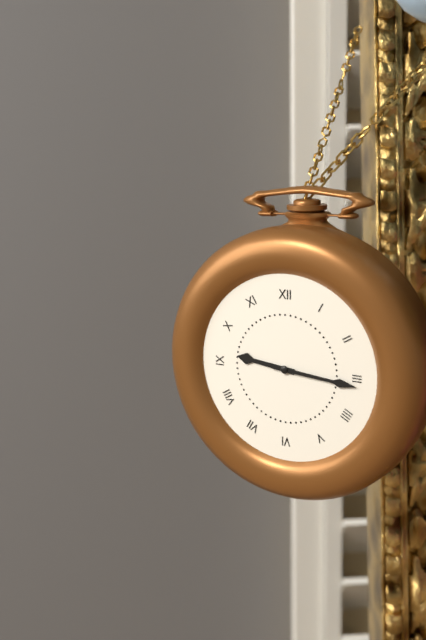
9h16
